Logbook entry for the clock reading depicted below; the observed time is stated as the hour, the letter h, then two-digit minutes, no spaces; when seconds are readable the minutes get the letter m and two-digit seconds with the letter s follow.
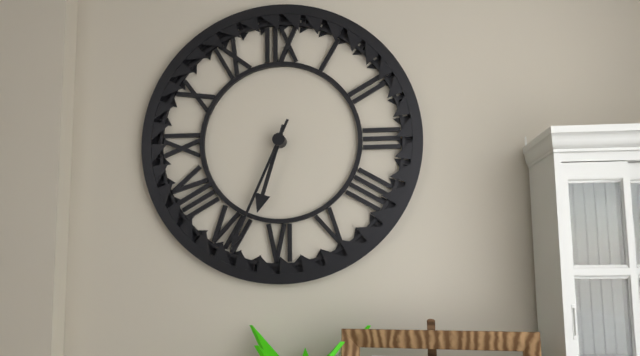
6h34
